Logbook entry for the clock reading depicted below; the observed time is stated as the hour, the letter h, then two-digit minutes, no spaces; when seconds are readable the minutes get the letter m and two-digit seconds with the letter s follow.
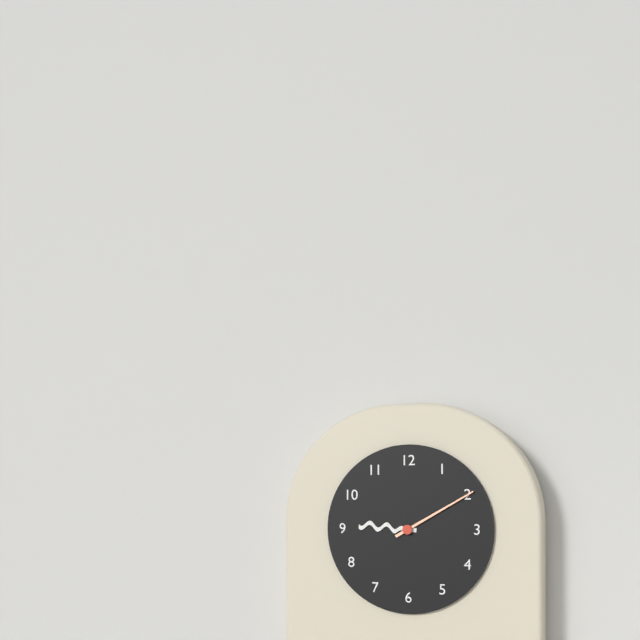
9h10
